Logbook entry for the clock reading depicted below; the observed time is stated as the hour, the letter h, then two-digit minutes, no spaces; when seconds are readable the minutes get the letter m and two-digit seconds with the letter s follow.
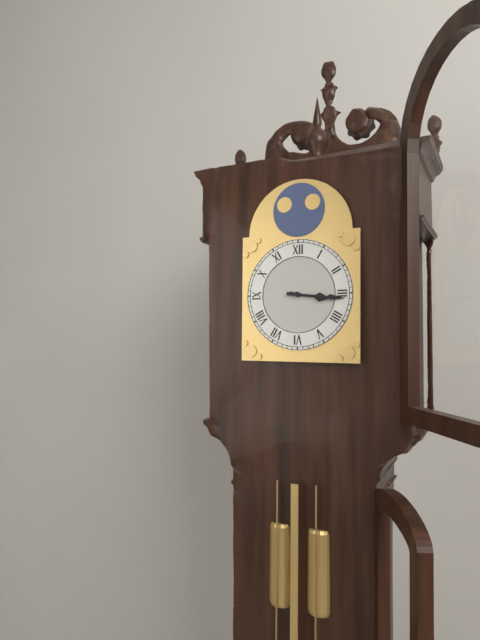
3h16
